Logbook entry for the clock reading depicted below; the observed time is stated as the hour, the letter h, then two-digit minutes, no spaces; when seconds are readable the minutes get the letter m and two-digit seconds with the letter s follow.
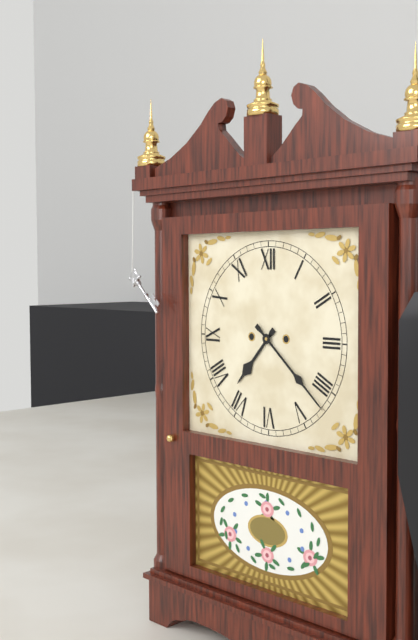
7h22
